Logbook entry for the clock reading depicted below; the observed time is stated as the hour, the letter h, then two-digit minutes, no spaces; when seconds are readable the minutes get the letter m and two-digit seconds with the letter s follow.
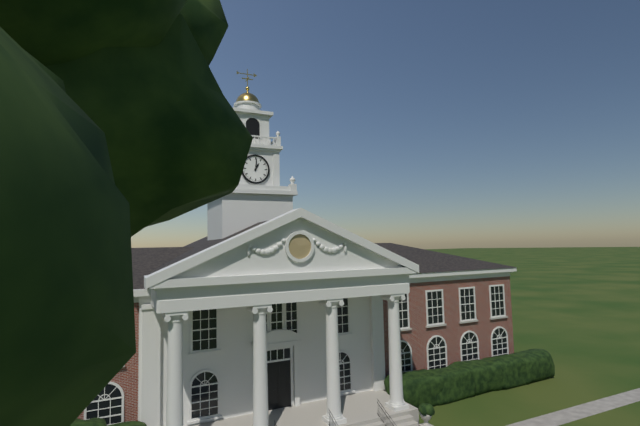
1h01
